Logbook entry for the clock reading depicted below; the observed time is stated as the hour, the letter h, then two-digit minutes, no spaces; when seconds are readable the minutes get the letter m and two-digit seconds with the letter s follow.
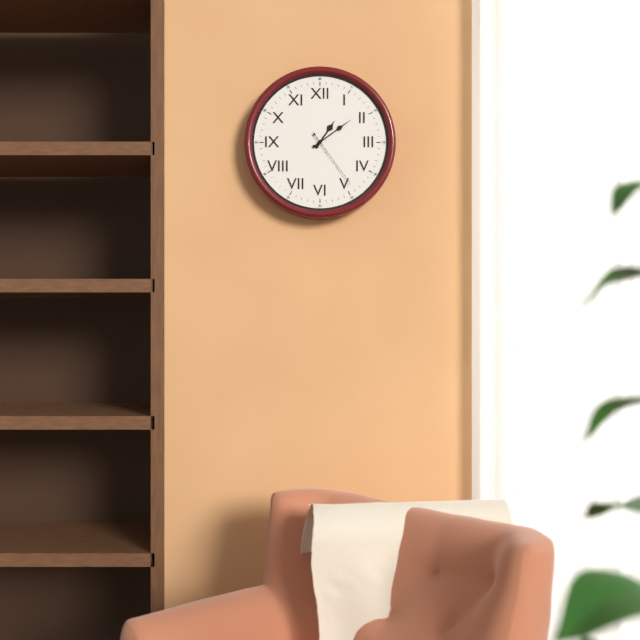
1h09m24s
